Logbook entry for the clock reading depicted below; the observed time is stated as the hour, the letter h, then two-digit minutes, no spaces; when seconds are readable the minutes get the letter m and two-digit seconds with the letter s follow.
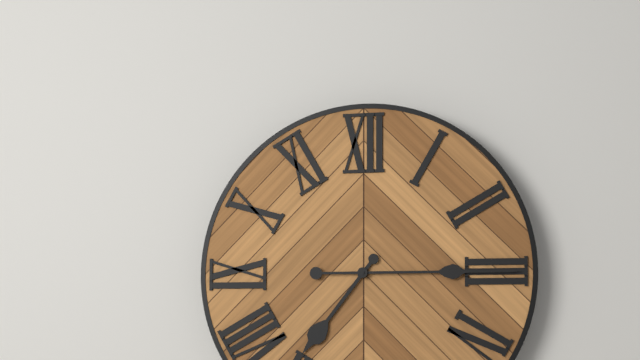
7h15
